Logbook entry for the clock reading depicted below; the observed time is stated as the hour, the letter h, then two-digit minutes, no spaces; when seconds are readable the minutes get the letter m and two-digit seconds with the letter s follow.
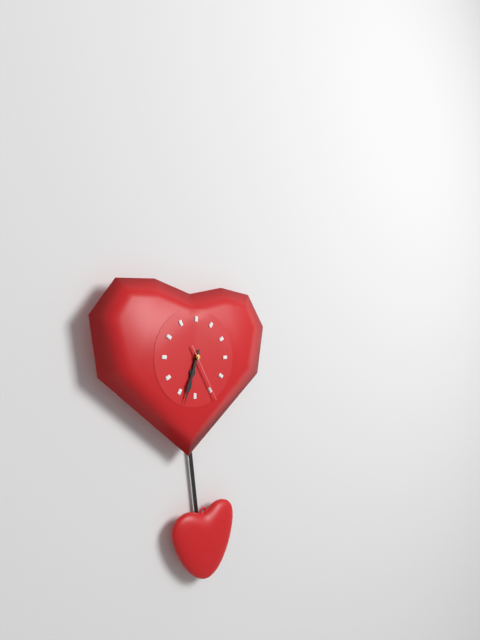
6h33m25s
